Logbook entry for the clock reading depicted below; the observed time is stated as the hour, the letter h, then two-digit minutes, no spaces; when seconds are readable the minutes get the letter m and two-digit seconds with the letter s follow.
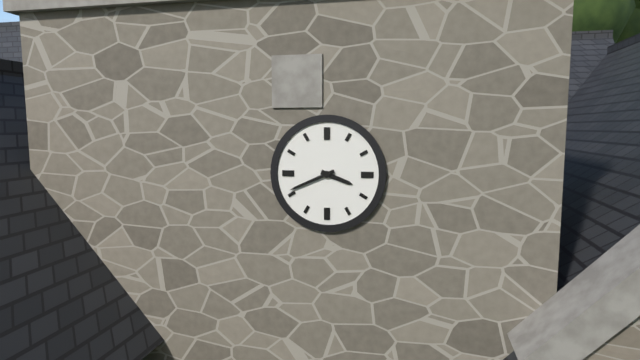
3h41
